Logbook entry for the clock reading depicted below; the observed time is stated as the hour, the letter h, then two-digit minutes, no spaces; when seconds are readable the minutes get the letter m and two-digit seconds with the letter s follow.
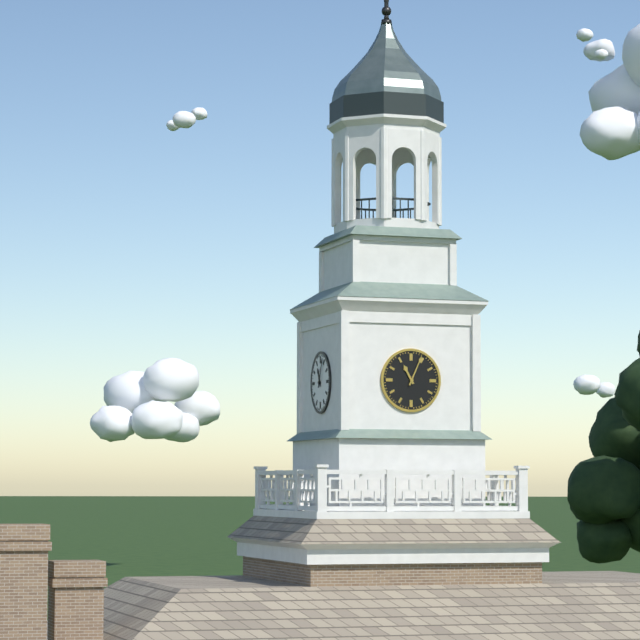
11h04
